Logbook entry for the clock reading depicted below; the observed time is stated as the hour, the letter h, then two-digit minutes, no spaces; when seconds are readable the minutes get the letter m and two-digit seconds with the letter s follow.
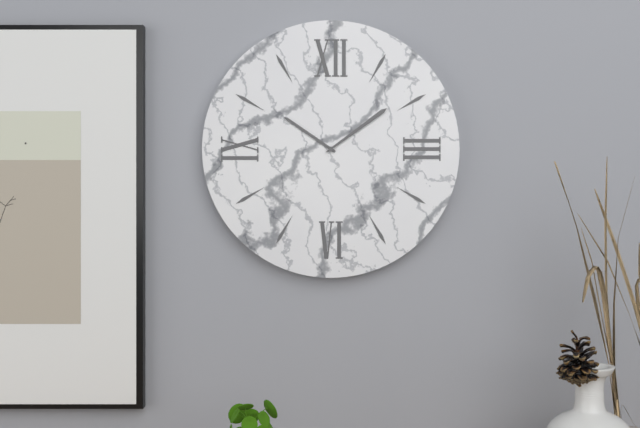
10h09
